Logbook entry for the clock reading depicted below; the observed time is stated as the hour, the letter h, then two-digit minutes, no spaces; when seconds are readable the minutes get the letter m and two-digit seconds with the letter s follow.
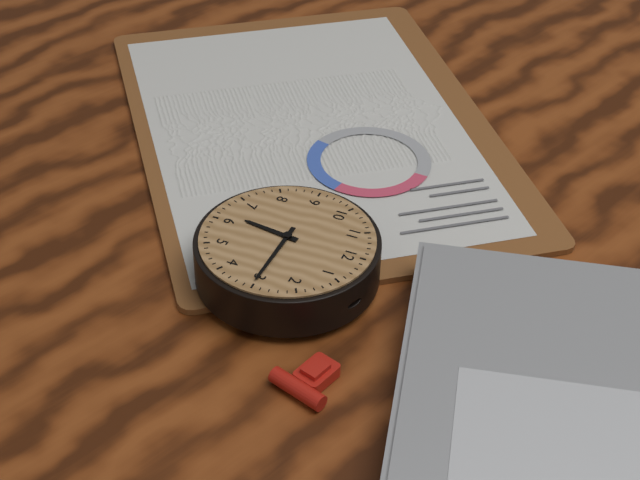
6h15
